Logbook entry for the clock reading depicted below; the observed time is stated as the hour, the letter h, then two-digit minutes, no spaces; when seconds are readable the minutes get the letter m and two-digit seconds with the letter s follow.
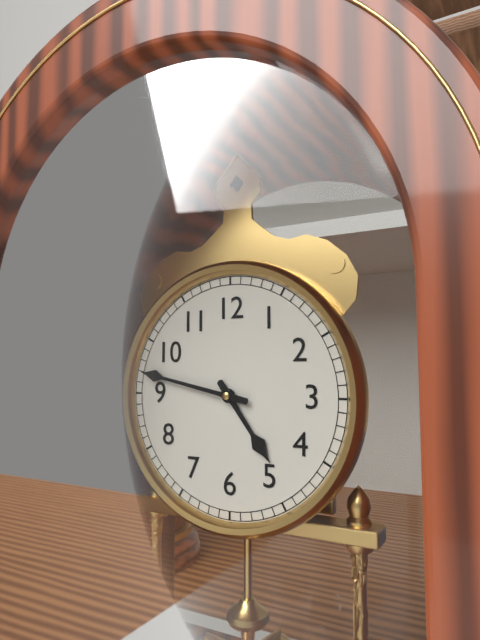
4h47
